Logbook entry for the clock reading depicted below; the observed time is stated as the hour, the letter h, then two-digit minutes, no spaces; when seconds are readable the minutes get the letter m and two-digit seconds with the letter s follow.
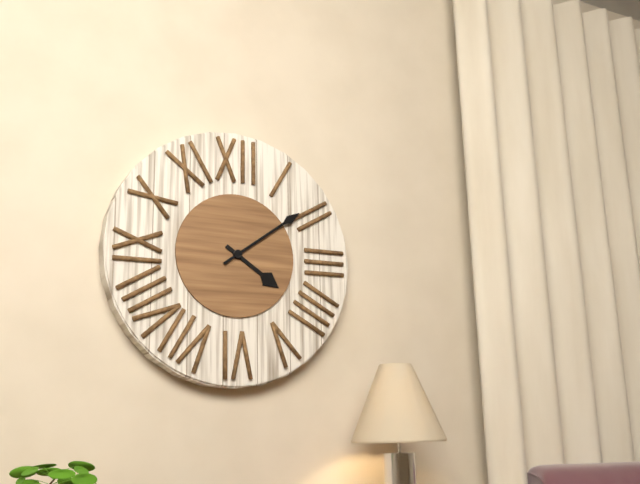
4h09
